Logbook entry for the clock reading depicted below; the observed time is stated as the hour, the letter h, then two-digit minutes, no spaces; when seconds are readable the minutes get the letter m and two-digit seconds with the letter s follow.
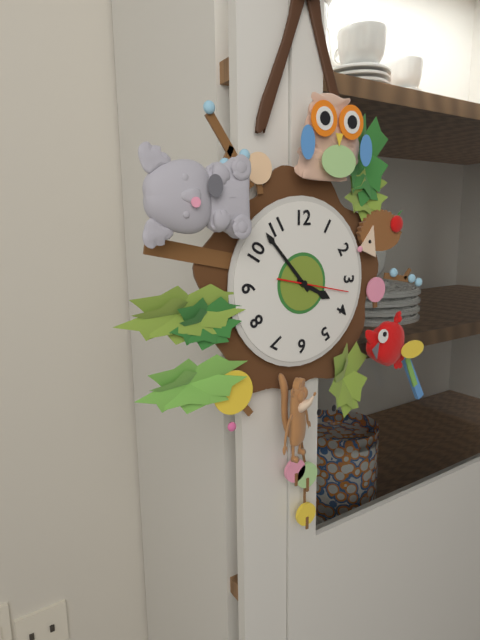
3h53m17s
